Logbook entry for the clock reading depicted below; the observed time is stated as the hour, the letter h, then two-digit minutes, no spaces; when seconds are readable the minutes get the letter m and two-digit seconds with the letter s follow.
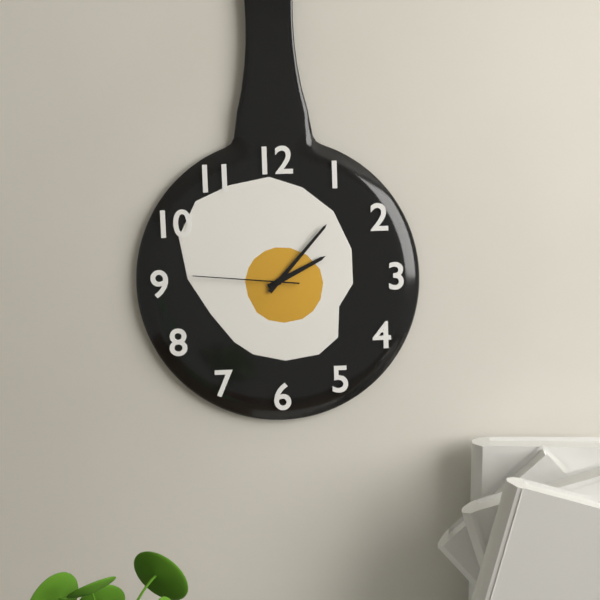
2h07m46s
